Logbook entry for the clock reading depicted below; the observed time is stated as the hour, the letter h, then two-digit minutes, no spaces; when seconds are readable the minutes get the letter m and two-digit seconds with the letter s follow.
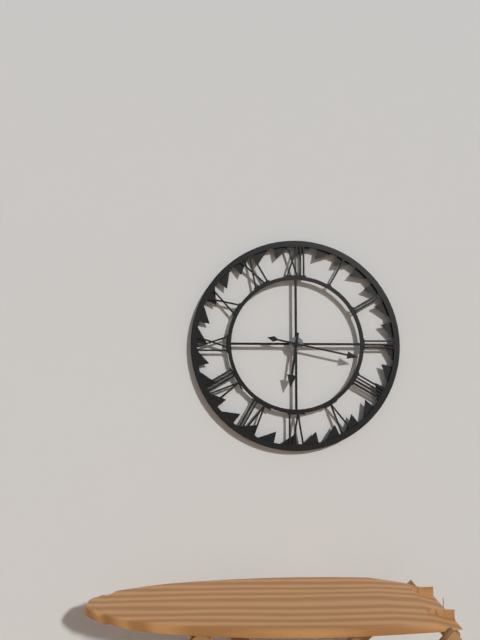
6h17
